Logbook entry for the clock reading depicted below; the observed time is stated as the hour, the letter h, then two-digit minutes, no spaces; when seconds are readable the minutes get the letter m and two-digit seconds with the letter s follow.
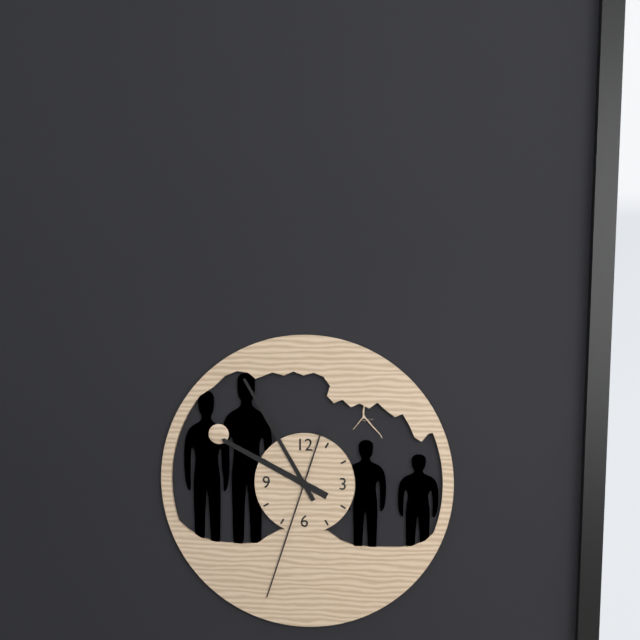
9h55m33s
